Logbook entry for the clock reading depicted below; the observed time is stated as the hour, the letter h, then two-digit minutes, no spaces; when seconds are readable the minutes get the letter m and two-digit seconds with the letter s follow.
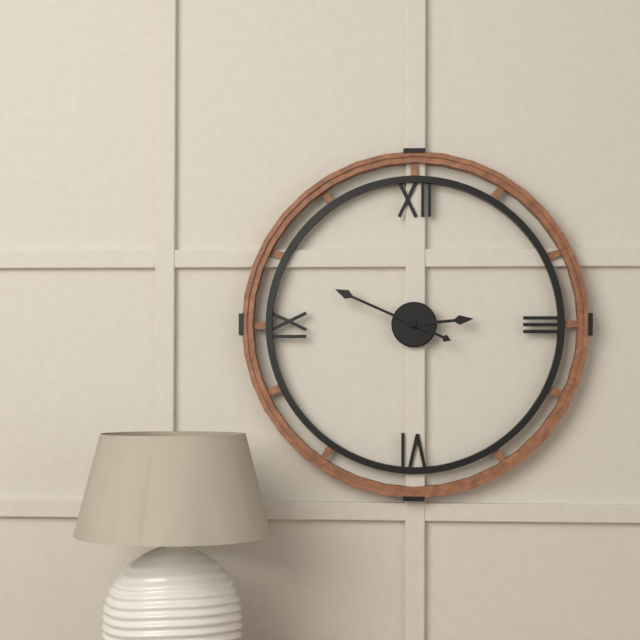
2h49
